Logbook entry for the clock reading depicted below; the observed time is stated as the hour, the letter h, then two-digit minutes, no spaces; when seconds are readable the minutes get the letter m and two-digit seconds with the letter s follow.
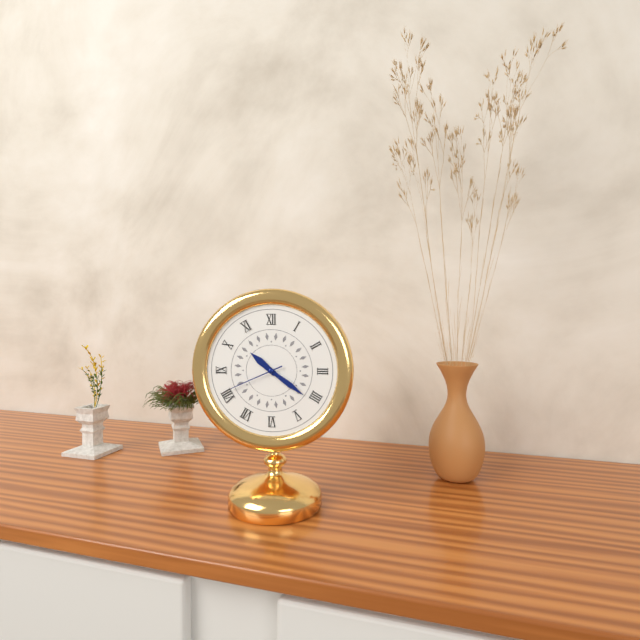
10h21m41s
